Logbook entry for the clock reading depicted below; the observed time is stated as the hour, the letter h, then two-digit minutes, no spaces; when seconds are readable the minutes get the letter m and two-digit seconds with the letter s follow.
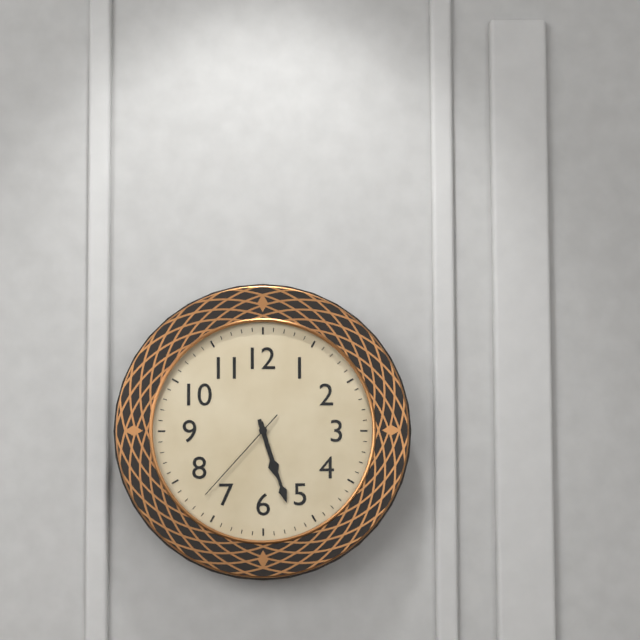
5h27m37s
